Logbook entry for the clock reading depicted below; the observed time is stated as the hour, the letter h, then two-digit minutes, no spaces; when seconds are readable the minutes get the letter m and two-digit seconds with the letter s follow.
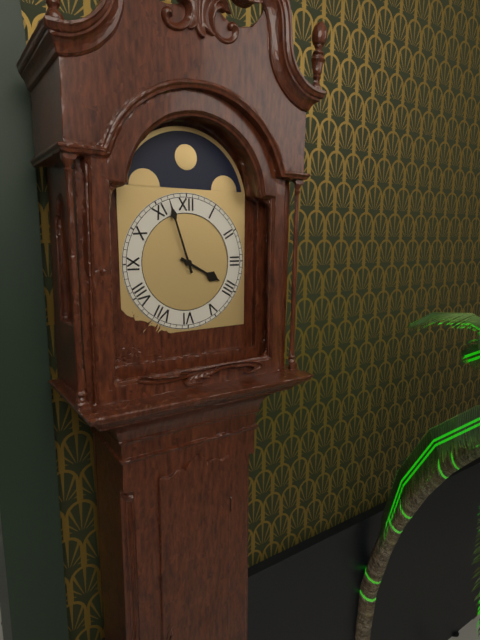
3h57
